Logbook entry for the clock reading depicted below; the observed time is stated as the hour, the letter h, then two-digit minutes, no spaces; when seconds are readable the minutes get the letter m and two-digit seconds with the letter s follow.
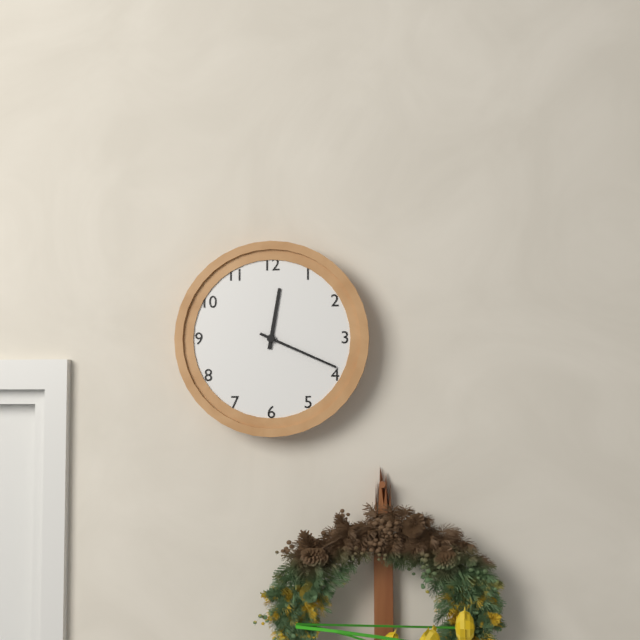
12h19
